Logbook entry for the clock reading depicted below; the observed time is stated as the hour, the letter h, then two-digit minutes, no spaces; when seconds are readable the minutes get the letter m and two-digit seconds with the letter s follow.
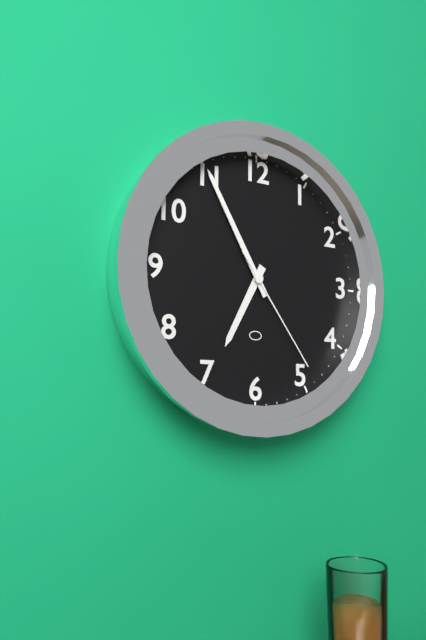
6h55m24s
